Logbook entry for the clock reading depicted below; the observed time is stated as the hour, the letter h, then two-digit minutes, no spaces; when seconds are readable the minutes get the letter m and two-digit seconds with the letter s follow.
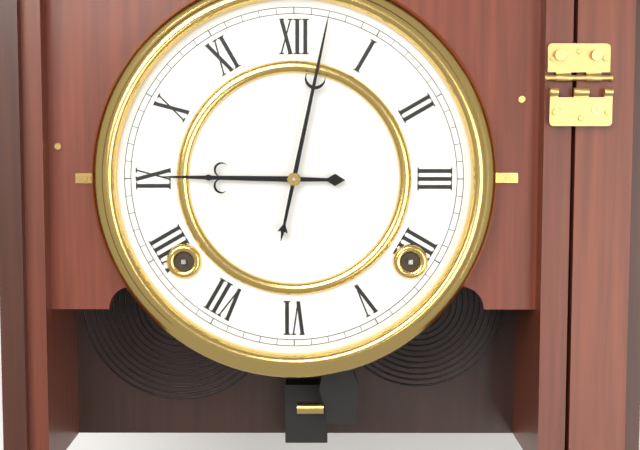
9h02
